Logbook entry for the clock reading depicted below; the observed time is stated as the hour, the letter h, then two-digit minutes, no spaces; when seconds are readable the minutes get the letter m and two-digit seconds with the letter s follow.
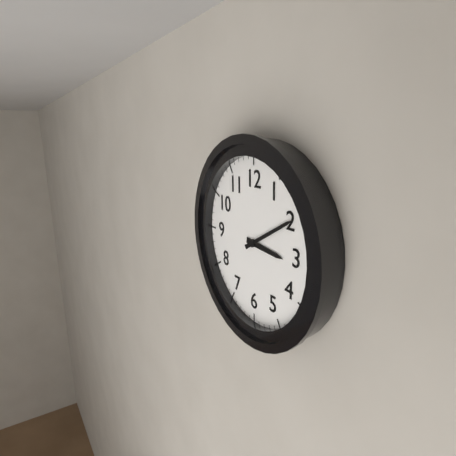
3h10
